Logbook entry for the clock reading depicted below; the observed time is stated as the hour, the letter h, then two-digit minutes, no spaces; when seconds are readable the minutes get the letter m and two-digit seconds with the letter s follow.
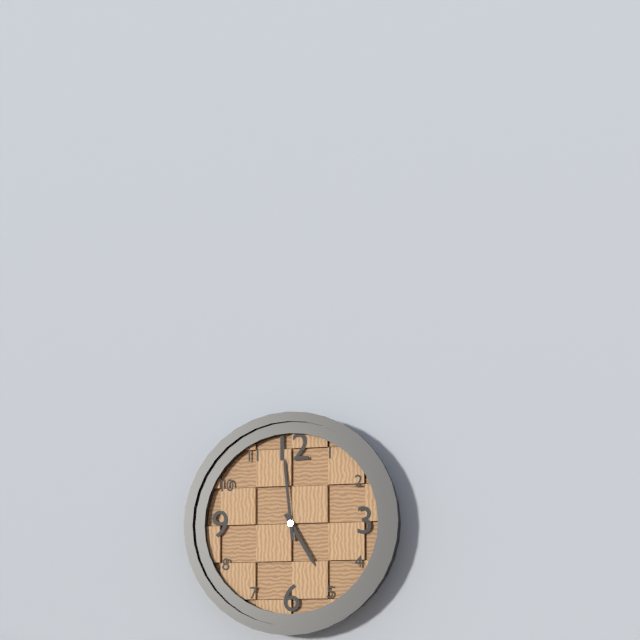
4h59
